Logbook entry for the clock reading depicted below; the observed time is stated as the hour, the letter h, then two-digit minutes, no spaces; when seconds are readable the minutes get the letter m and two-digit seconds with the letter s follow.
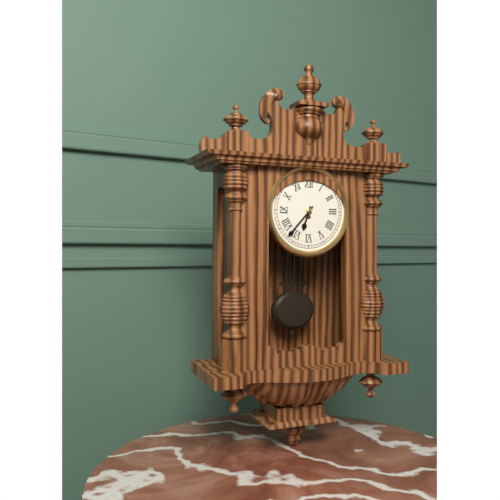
6h37
